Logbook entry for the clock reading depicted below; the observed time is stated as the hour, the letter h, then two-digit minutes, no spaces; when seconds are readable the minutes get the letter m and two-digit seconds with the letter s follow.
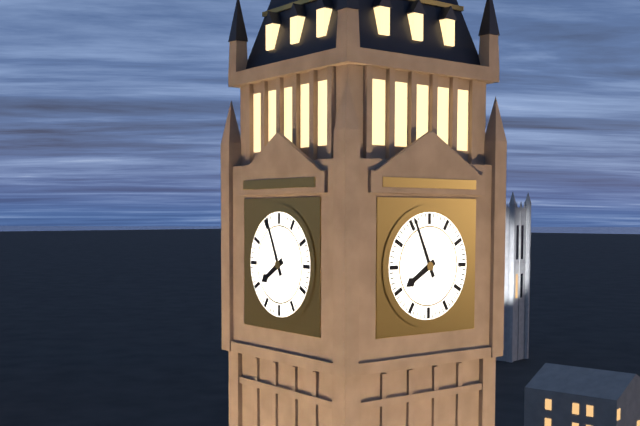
7h56
